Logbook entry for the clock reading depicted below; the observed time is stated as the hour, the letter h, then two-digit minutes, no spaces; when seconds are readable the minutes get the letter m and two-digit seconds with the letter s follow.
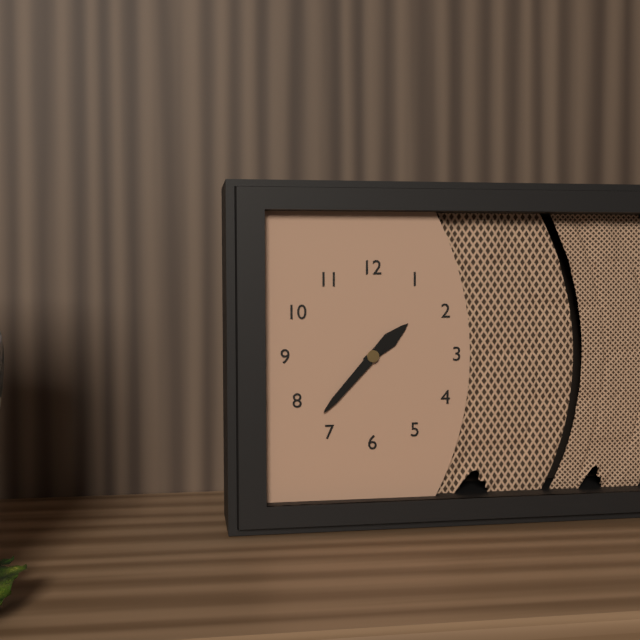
1h37
